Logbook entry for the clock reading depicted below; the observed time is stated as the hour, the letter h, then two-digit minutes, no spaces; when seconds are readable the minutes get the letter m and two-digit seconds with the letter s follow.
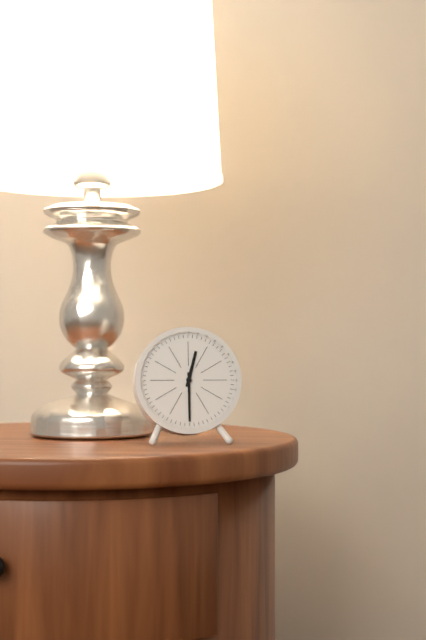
12h30
